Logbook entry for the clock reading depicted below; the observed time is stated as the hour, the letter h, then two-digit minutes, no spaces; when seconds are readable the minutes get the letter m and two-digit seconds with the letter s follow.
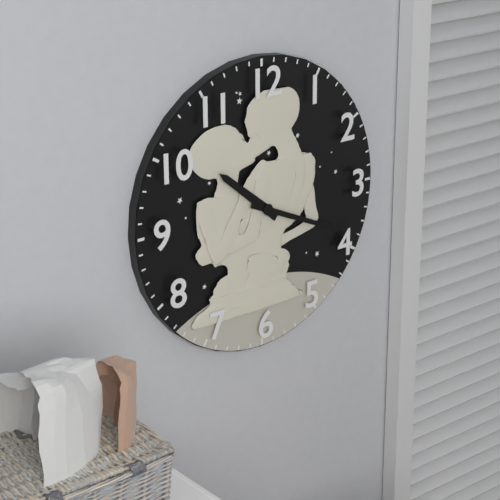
10h19
